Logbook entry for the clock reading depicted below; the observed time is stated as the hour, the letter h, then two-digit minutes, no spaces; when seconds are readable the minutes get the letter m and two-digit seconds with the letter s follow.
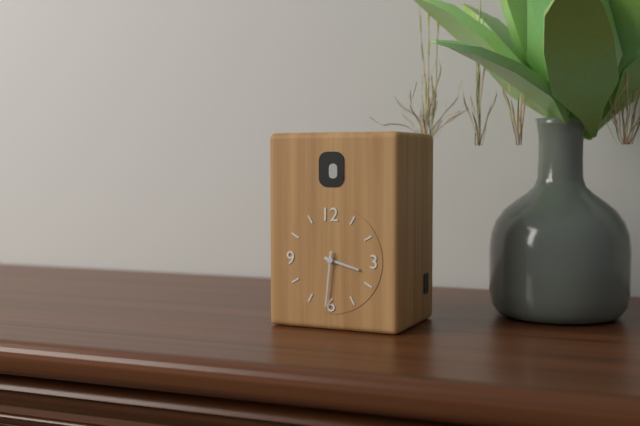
3h31
